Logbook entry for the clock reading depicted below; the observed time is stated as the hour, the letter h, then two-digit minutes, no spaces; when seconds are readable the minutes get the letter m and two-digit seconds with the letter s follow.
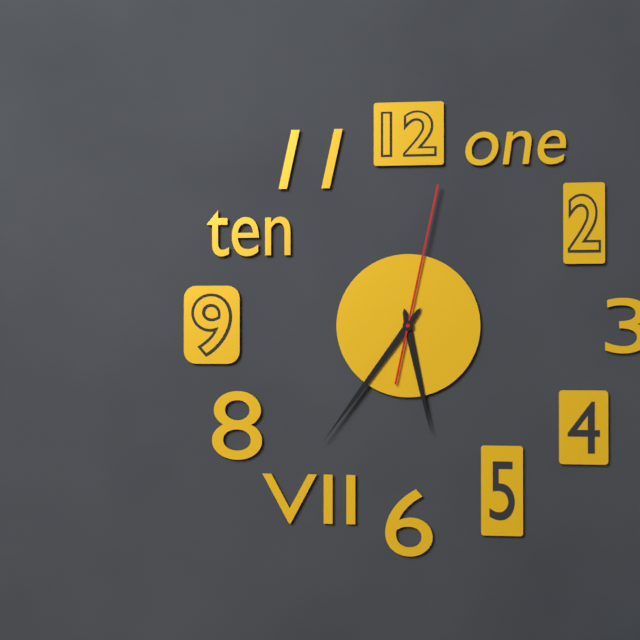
5h36m02s
